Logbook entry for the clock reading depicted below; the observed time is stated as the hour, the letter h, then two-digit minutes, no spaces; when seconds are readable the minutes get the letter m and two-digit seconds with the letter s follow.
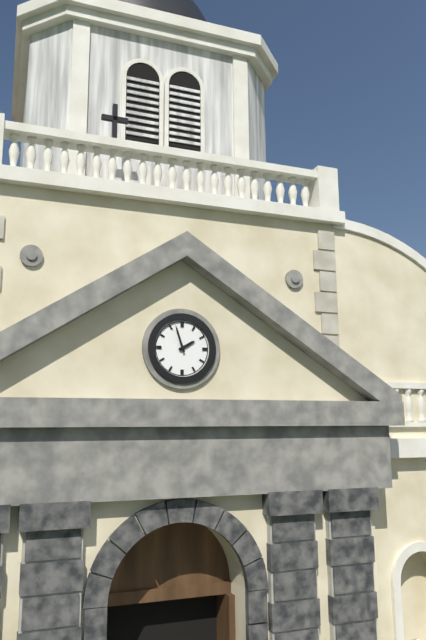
1h57
